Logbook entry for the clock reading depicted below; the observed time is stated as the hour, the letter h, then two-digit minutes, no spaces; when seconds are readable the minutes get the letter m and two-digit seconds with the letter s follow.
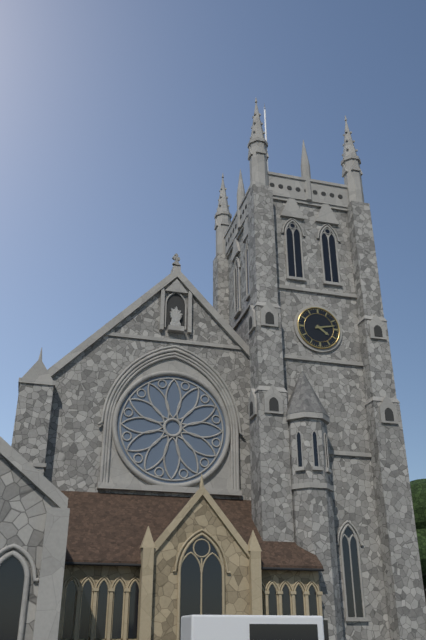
4h13
